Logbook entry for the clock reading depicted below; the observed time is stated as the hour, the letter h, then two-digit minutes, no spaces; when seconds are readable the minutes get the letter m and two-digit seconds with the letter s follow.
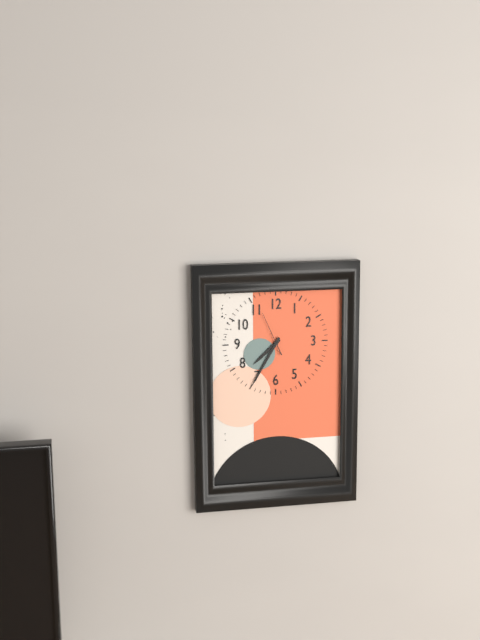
7h35
